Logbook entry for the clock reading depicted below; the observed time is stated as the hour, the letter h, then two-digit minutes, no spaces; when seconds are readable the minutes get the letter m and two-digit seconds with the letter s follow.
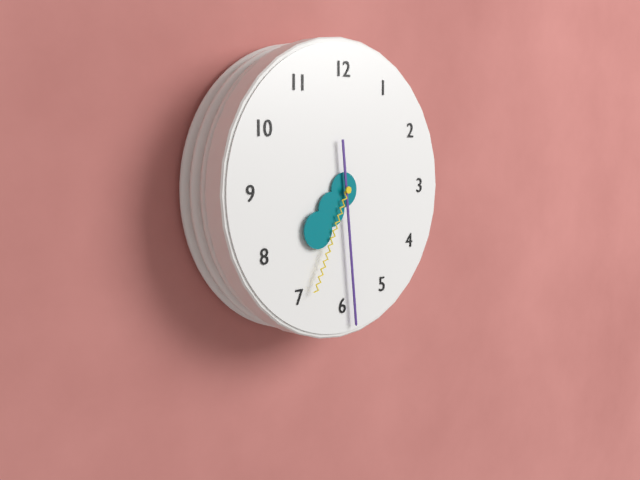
7h29m34s
